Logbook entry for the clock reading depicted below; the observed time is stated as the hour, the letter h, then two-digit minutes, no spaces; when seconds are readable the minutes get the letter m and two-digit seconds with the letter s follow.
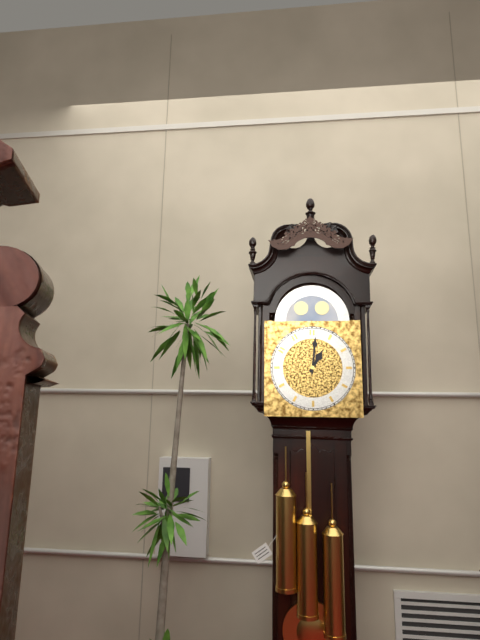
1h01
